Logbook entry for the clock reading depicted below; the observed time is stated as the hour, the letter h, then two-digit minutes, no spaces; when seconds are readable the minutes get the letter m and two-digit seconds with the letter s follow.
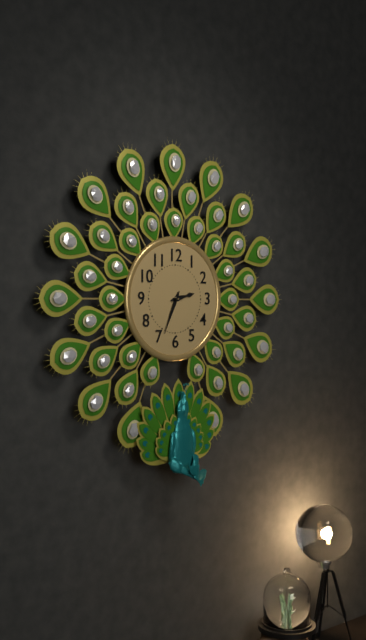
2h34
